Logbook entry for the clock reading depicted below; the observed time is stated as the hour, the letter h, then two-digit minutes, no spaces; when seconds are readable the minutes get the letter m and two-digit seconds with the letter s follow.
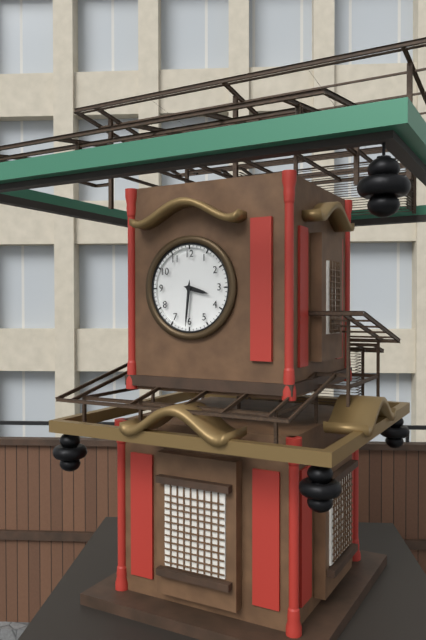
3h31
